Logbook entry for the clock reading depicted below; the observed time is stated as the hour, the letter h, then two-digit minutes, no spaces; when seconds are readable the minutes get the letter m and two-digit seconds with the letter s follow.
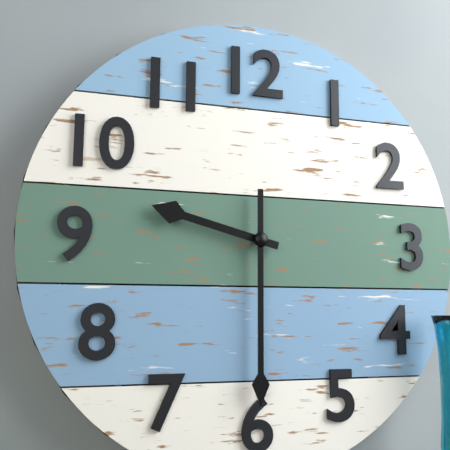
9h30
